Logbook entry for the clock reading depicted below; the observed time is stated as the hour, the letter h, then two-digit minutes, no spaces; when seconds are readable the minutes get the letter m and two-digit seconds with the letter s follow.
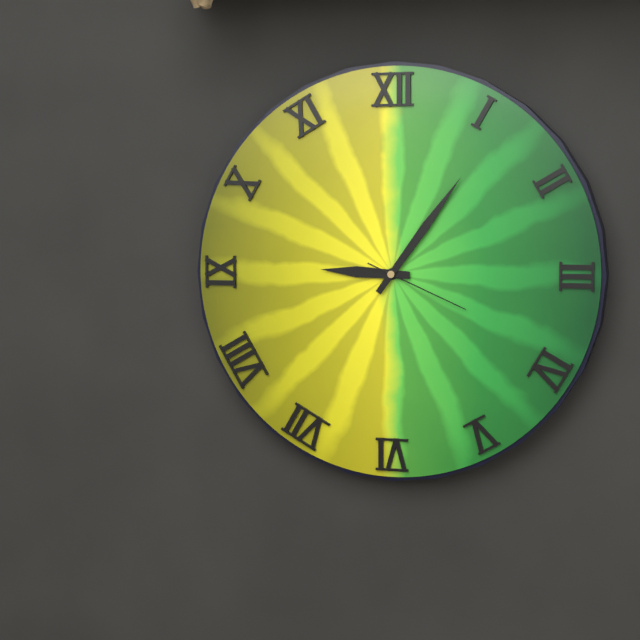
9h06m19s
